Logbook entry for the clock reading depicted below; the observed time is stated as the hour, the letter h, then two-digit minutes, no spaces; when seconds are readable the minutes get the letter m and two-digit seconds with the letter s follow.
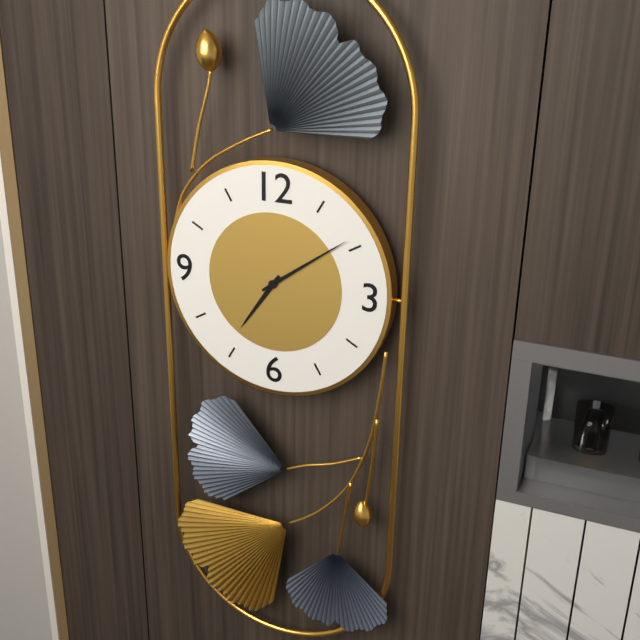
7h09
